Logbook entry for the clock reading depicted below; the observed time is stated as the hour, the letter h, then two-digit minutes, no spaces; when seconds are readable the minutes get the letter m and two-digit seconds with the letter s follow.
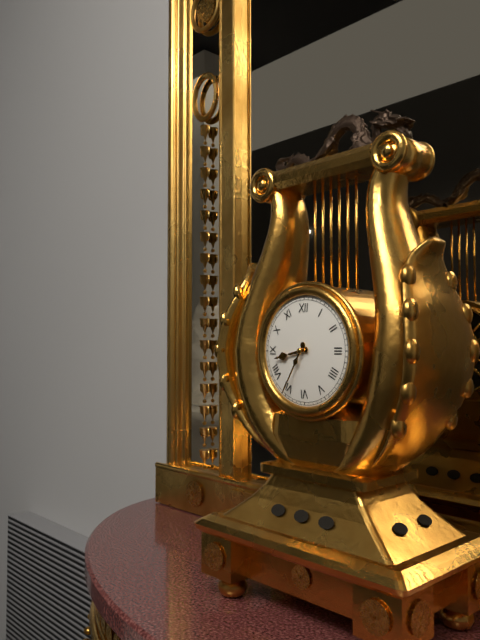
8h35
